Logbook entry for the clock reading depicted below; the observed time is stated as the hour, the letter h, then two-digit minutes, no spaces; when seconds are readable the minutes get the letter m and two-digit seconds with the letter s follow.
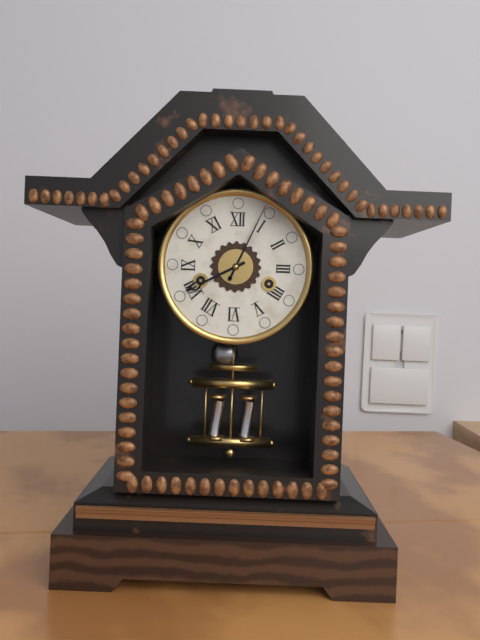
8h04
